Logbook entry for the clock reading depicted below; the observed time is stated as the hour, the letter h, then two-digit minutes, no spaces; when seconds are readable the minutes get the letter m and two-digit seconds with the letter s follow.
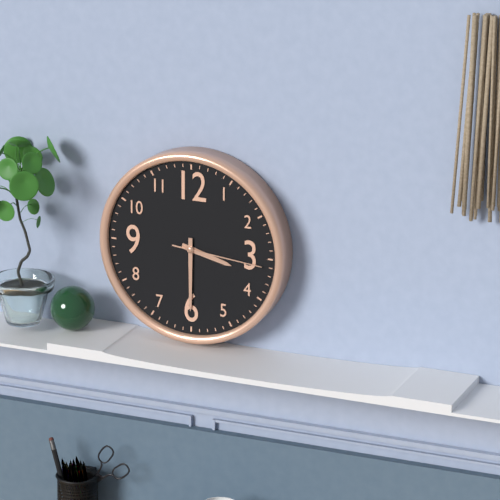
3h30m16s
